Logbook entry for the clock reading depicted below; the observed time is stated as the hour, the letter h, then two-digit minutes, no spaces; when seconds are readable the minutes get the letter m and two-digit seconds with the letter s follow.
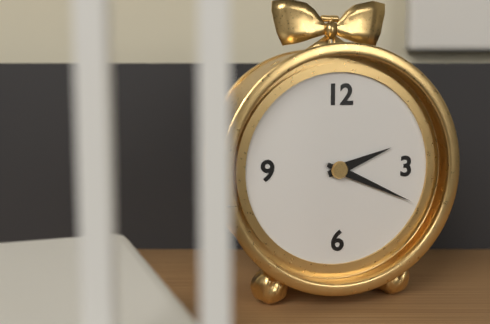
2h19
